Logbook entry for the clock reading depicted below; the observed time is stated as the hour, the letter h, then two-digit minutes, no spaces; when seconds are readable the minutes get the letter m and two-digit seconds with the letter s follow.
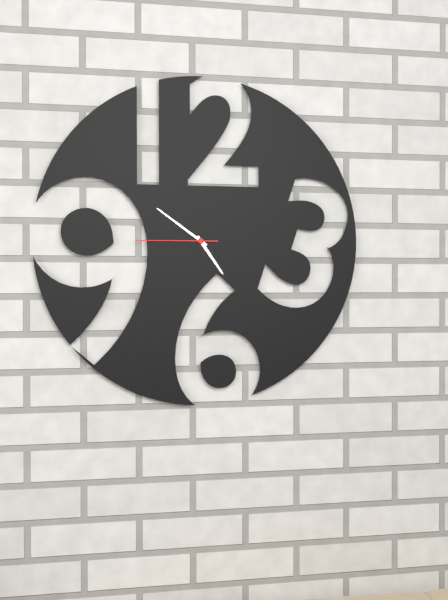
4h51m45s
